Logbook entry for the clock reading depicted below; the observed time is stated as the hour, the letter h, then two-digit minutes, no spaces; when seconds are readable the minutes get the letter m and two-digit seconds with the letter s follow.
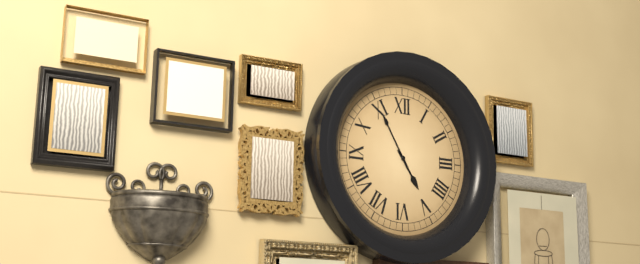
4h55
